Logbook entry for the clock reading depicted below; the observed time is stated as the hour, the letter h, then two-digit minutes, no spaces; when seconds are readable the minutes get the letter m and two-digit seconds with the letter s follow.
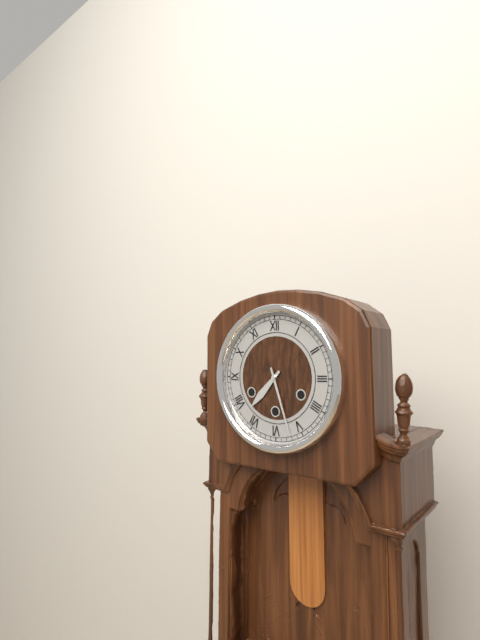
7h27
